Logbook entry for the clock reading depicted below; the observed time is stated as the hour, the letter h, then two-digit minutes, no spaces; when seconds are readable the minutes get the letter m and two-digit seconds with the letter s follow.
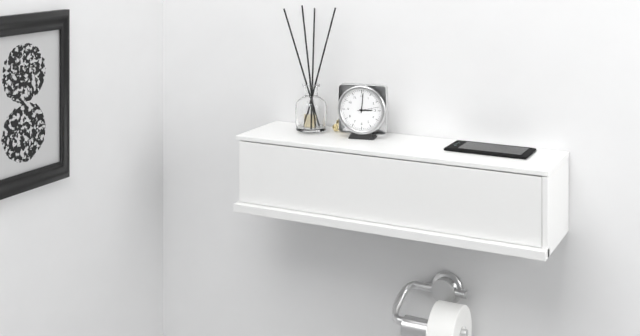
3h01
